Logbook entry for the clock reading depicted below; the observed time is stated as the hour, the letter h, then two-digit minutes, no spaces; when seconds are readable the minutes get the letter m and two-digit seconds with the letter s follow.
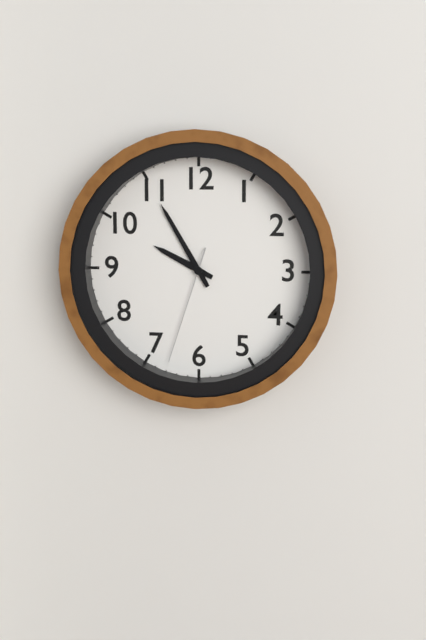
9h55m33s
